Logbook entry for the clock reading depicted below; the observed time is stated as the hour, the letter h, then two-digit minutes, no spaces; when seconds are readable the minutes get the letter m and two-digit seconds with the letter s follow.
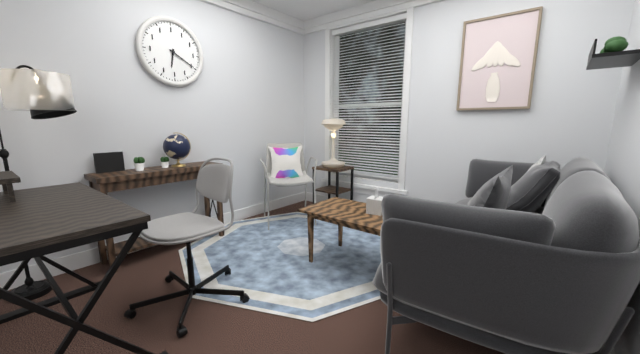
6h20
